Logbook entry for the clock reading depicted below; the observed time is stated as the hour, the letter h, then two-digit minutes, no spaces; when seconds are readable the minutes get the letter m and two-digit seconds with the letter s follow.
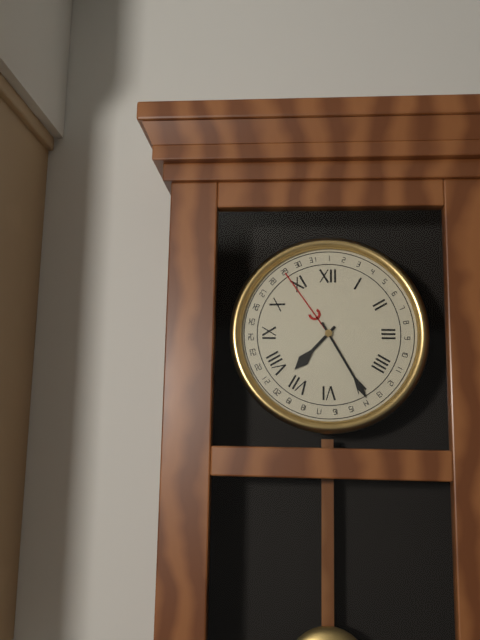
7h25
